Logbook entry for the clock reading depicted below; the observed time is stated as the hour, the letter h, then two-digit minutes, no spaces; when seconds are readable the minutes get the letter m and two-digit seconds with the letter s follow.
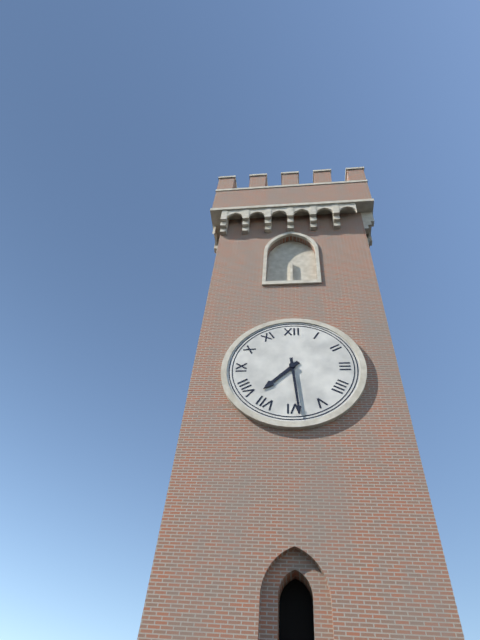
7h29
